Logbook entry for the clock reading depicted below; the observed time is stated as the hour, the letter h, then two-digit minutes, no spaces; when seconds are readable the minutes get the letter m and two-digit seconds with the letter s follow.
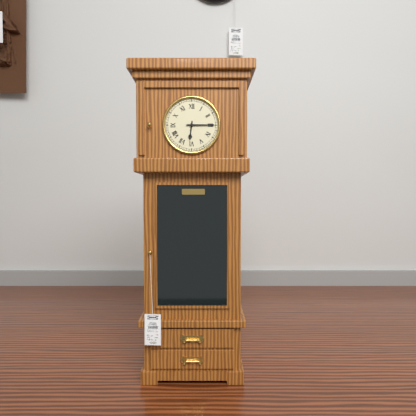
6h15
